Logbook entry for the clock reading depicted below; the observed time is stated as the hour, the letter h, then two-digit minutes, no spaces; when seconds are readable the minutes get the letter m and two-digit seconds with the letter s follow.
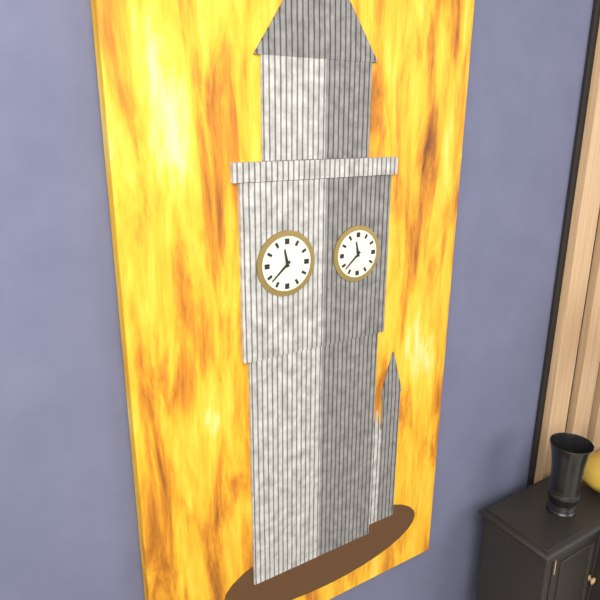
11h38
